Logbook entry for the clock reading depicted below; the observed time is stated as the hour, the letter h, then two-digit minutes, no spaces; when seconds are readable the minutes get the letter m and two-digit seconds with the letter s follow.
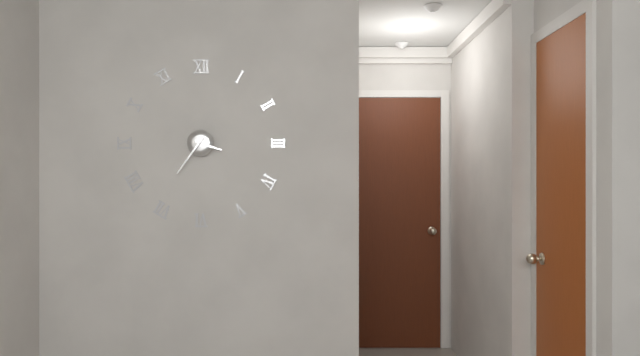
3h36
